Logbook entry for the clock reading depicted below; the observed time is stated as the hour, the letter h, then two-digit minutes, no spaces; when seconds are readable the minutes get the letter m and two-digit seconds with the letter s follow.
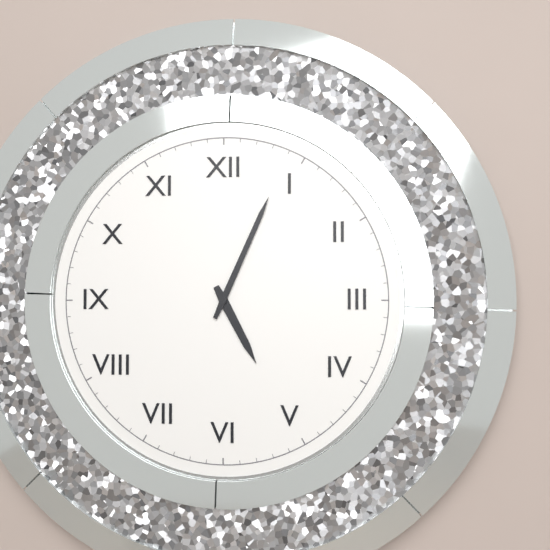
5h04
